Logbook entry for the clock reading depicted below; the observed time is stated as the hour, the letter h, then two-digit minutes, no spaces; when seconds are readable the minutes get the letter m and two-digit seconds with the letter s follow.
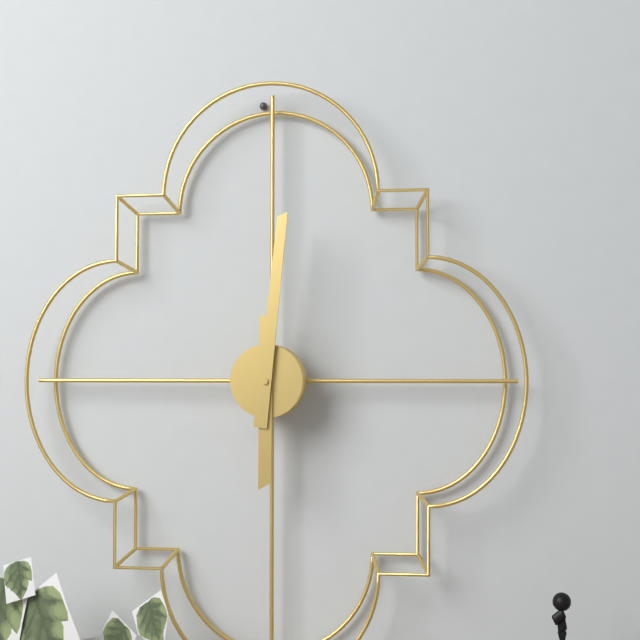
6h01
